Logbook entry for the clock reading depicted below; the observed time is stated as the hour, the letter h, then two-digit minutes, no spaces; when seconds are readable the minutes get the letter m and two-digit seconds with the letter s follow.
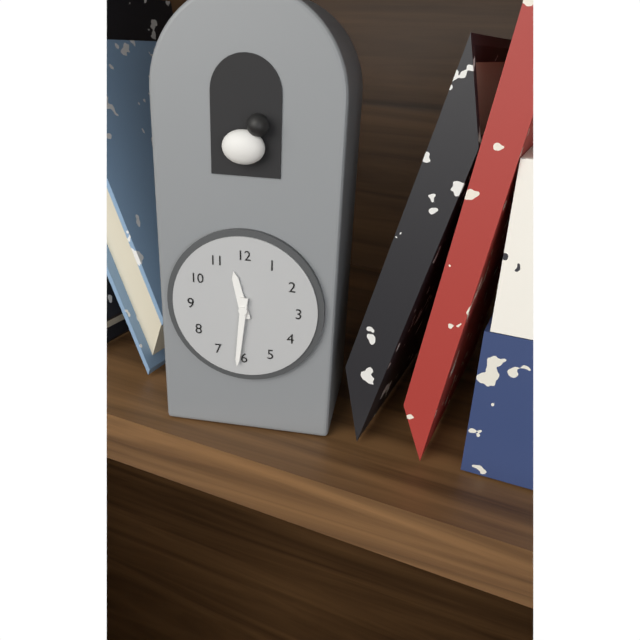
11h31
